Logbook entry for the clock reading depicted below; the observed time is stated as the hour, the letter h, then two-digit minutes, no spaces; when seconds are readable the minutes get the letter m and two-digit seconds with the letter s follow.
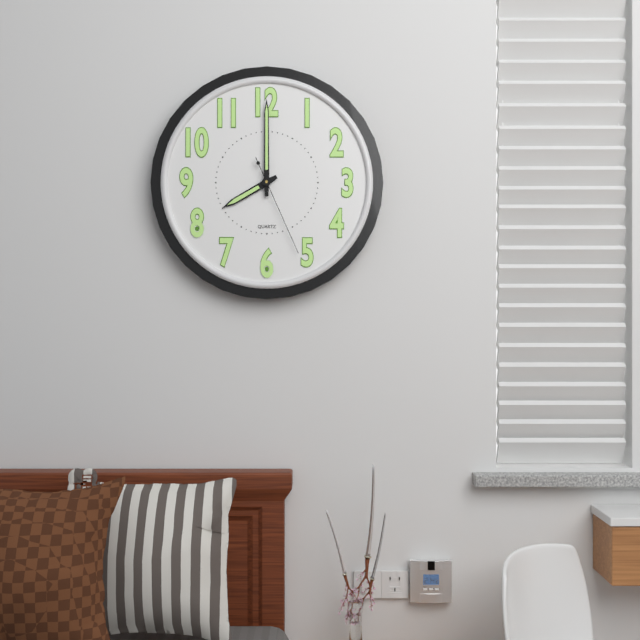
8h00m26s
